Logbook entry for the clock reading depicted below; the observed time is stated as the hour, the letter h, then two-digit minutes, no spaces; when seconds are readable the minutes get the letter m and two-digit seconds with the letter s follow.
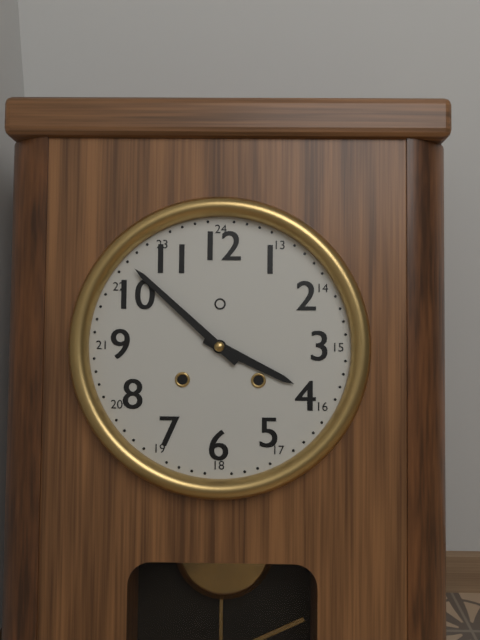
3h52
